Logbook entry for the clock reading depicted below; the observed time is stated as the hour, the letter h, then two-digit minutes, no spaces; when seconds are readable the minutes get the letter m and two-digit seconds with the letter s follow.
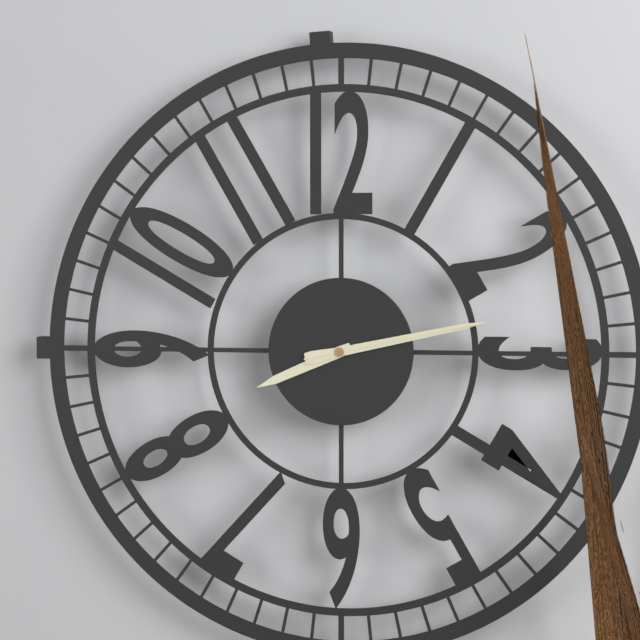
8h13m13s
